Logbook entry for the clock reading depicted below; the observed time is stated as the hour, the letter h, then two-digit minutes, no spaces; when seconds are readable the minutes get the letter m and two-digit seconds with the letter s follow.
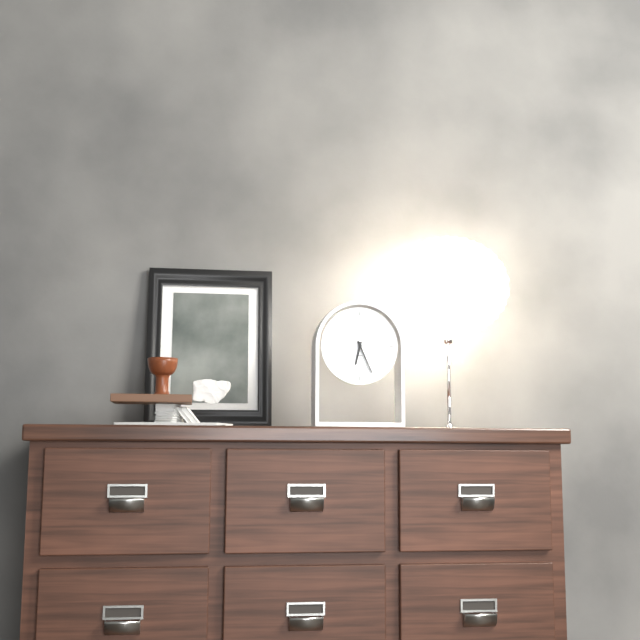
6h26
